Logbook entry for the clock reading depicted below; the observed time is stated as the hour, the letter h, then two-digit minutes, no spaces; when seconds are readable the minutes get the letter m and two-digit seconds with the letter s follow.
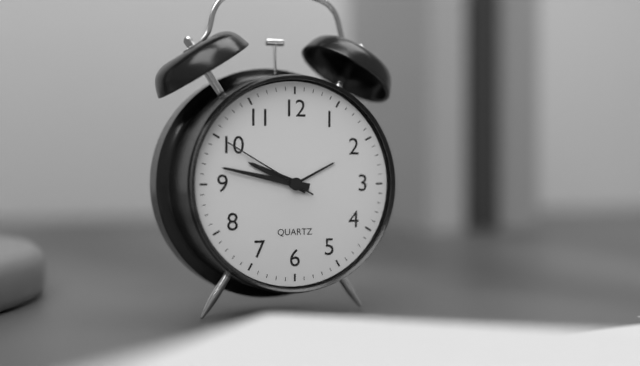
9h47m50s
